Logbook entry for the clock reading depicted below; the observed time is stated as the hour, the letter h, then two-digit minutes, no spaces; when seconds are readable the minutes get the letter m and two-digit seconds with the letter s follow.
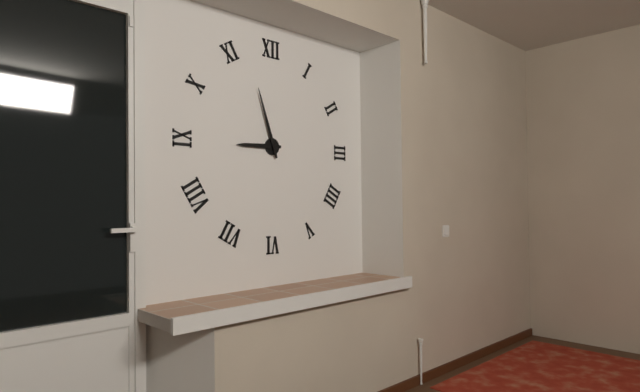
8h57
